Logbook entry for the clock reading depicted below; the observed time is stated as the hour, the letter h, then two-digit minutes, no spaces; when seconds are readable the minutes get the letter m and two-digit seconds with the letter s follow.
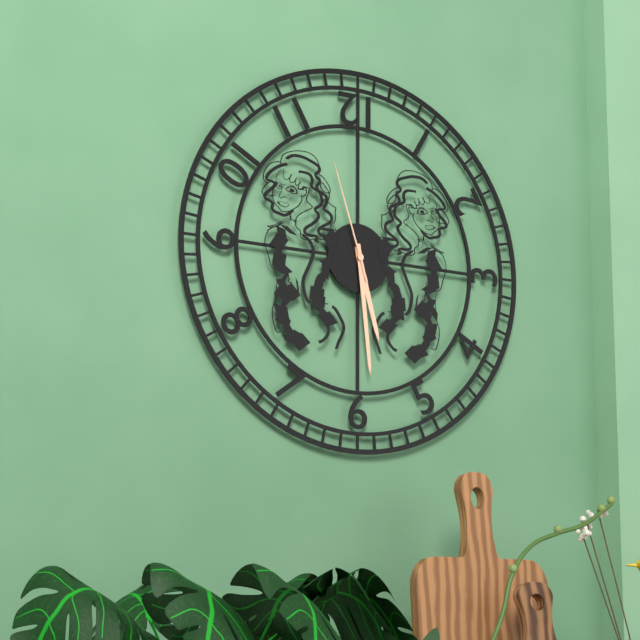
5h29m57s
